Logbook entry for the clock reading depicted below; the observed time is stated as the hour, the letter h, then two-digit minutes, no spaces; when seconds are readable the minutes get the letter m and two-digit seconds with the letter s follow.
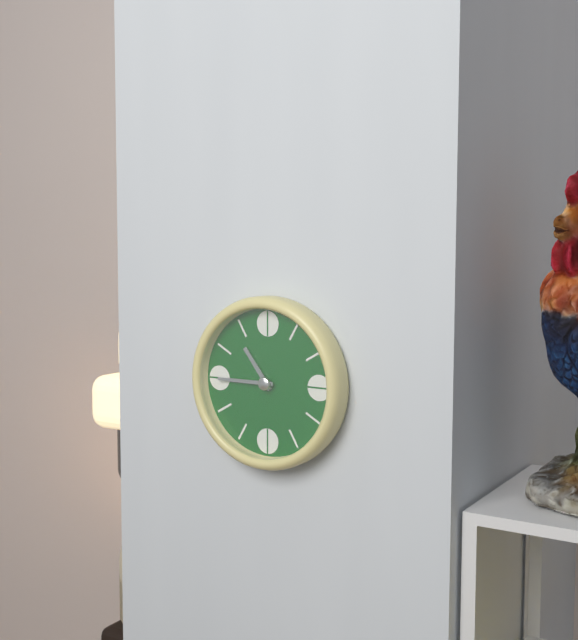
10h45
